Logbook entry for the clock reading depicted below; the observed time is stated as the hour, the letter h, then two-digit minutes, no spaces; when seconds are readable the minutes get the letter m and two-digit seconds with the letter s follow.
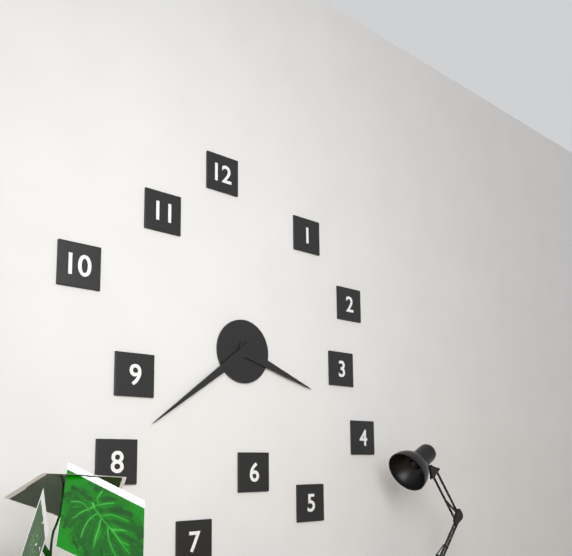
3h39
